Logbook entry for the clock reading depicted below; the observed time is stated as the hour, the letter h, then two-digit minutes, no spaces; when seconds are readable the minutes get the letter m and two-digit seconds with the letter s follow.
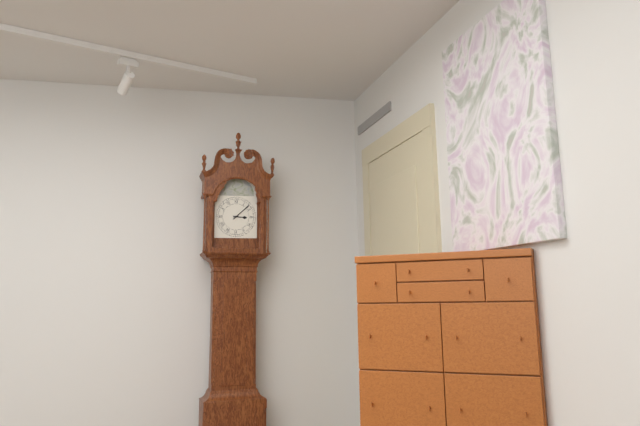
3h08
